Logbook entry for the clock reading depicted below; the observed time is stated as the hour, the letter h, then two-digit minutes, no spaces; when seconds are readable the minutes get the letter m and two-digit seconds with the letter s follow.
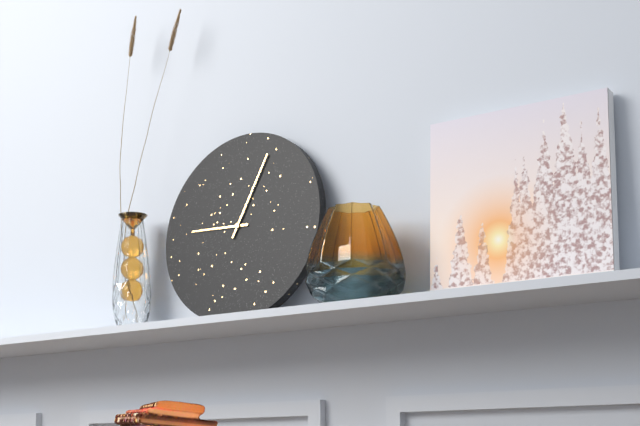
9h04
